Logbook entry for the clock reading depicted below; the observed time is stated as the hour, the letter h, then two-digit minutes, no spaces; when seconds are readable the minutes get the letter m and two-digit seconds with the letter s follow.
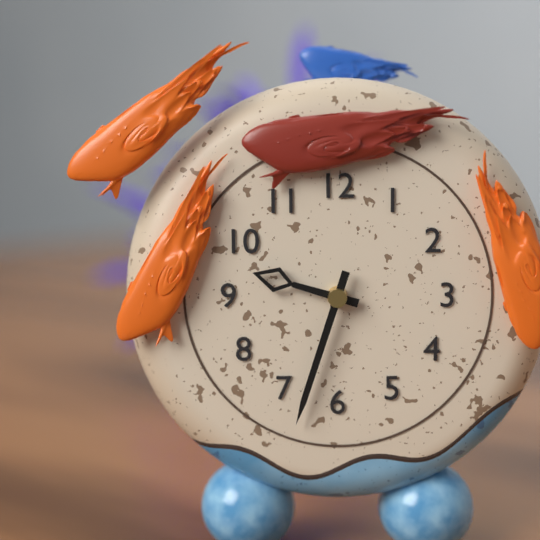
9h33
